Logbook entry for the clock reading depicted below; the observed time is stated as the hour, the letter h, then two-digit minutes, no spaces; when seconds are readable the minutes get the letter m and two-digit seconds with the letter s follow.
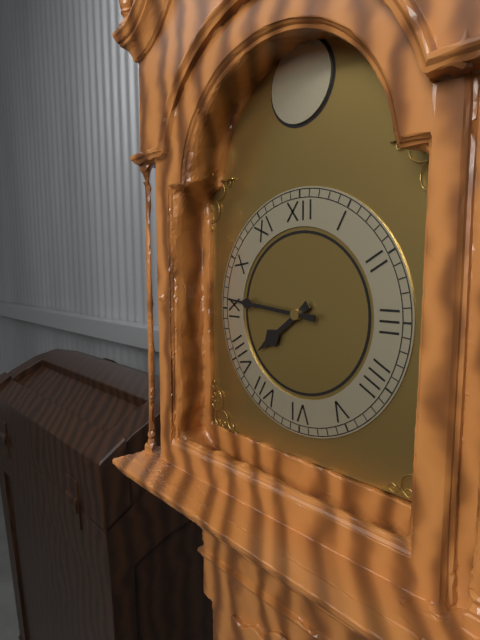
7h46
